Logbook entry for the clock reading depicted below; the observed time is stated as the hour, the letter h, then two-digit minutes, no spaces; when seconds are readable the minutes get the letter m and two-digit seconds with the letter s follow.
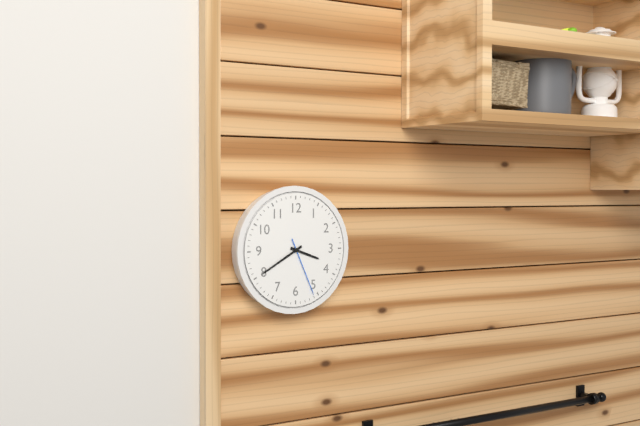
3h40m26s
